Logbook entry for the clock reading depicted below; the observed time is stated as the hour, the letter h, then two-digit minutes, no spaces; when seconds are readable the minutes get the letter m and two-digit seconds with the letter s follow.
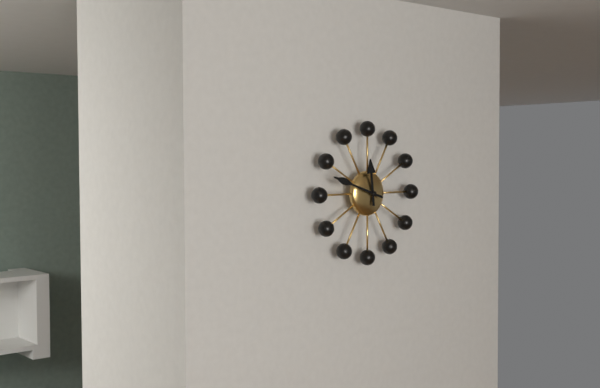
11h48
